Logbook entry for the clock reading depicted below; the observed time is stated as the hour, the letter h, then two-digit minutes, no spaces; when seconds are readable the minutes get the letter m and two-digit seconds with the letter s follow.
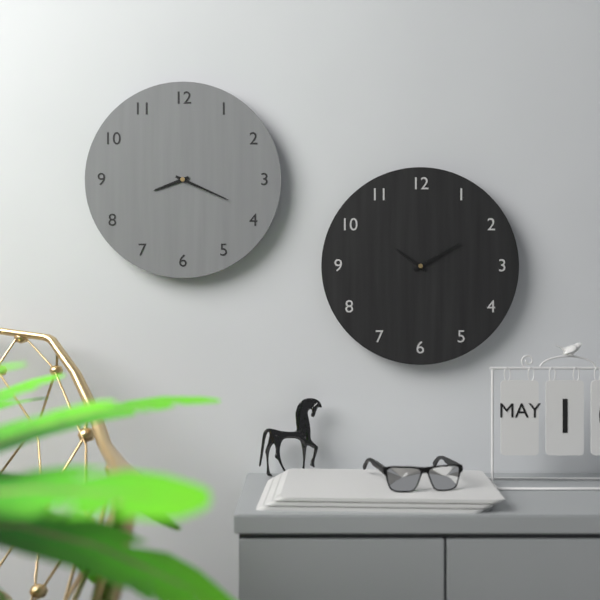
8h19
